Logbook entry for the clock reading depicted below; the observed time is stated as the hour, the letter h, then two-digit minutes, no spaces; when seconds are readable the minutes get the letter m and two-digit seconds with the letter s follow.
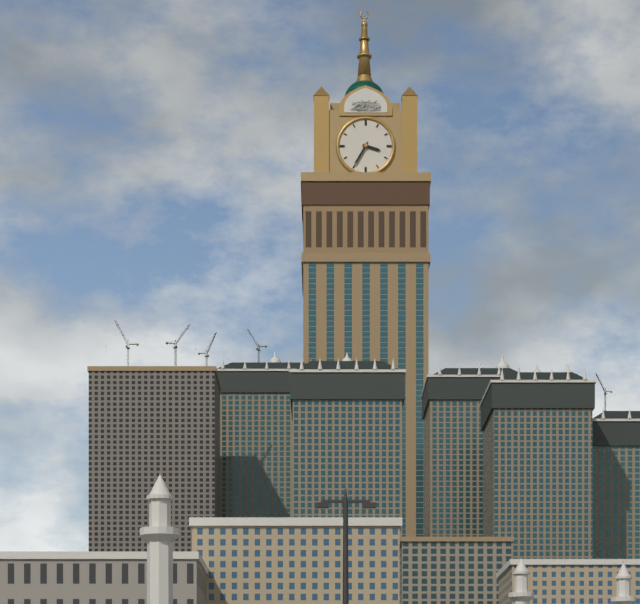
3h35
